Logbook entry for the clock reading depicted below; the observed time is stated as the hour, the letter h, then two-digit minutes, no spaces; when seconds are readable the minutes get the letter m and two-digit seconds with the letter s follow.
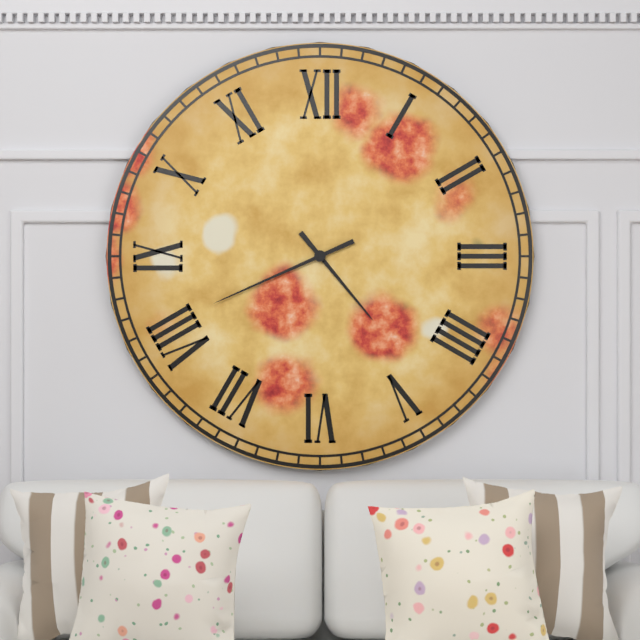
4h41
